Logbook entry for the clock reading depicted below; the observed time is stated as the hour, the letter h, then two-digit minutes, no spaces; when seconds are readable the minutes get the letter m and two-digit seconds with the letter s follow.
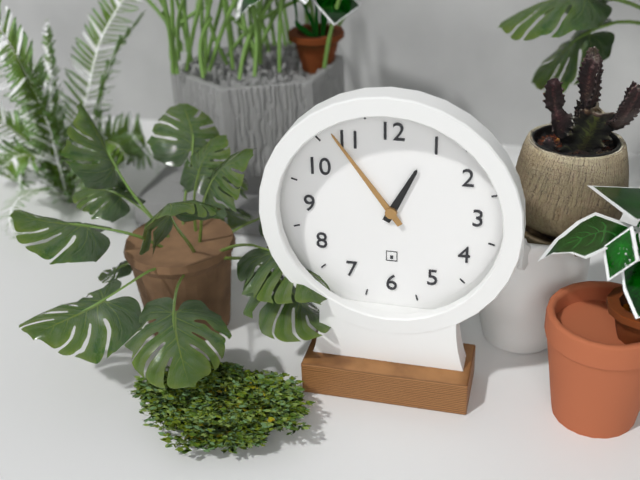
12h54
